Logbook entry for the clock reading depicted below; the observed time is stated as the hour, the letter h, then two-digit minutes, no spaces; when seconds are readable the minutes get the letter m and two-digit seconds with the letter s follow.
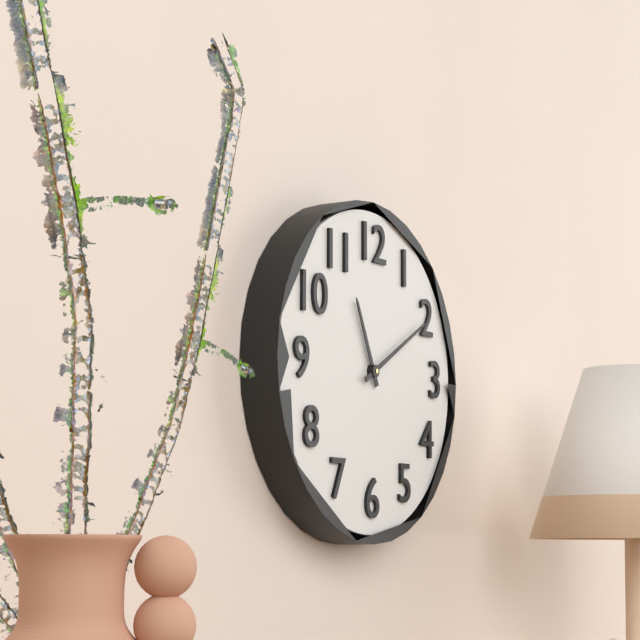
11h10
